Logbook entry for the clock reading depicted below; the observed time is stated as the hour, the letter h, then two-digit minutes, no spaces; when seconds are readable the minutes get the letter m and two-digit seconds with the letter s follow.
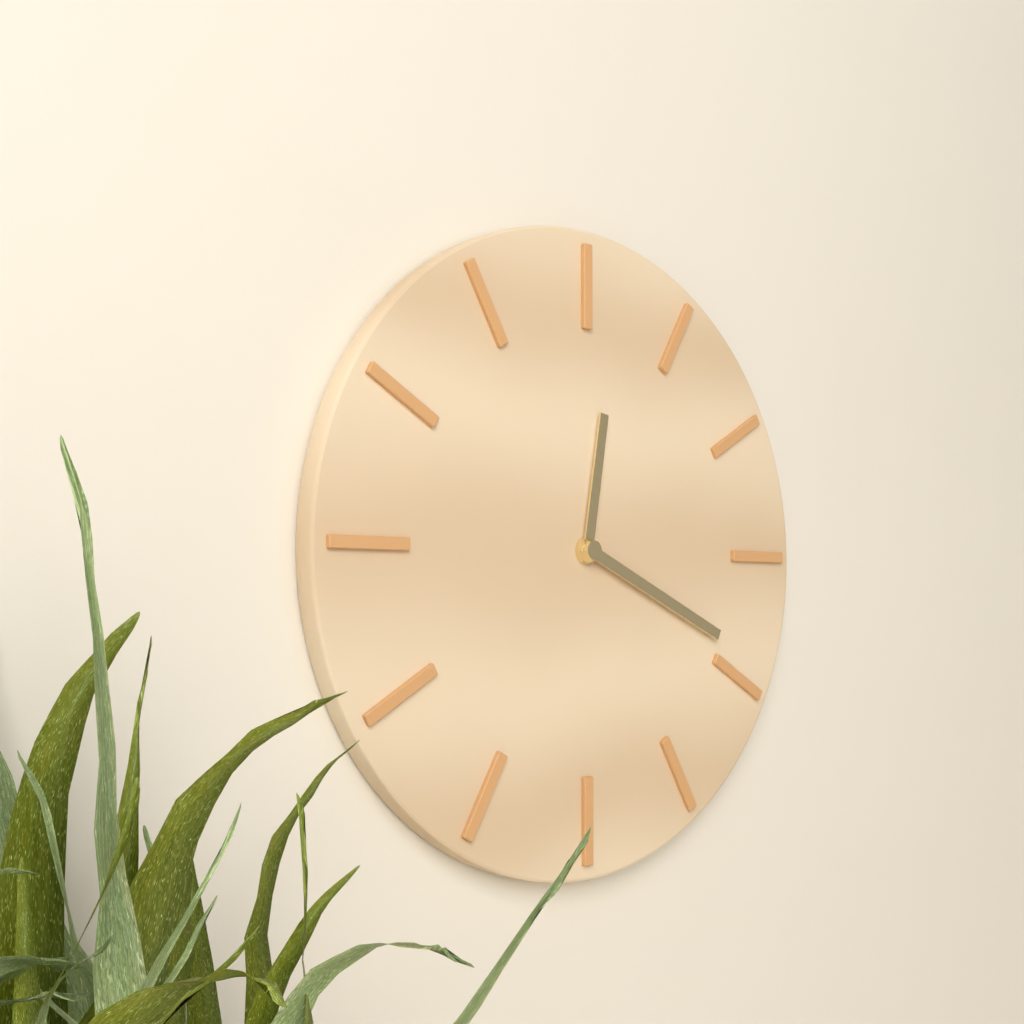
12h19
